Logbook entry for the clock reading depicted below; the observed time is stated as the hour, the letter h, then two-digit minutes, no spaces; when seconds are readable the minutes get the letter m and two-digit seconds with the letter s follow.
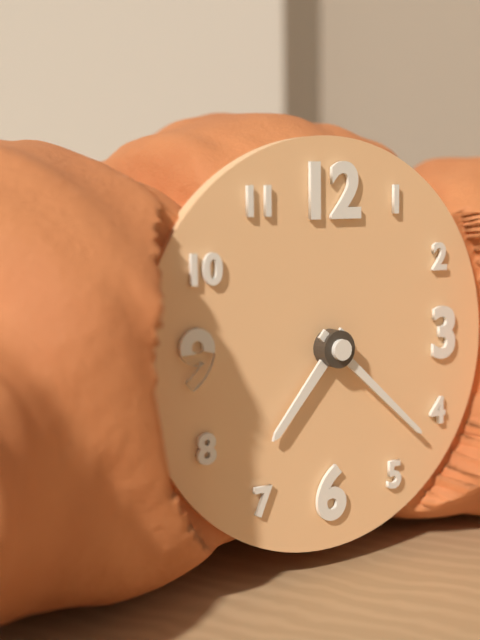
7h22
